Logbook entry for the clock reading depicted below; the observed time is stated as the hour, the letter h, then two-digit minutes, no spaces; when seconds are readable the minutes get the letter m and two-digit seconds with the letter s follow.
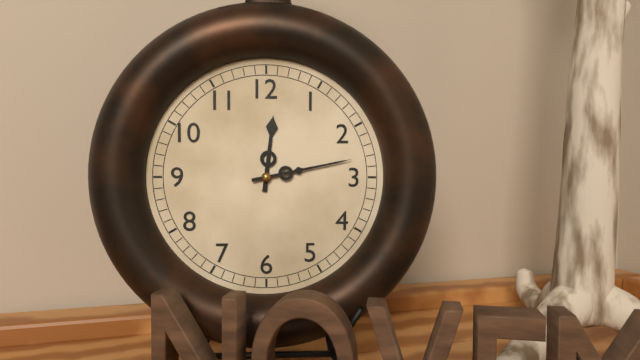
12h13
